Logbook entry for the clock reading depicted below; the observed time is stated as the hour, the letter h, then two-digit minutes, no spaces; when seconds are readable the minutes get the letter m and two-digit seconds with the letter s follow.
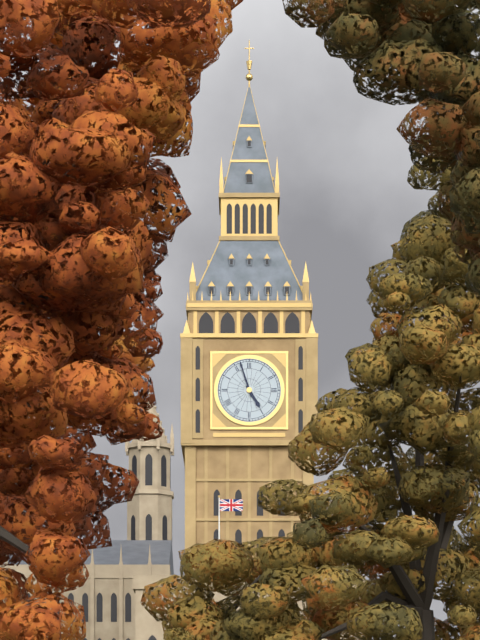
4h57
